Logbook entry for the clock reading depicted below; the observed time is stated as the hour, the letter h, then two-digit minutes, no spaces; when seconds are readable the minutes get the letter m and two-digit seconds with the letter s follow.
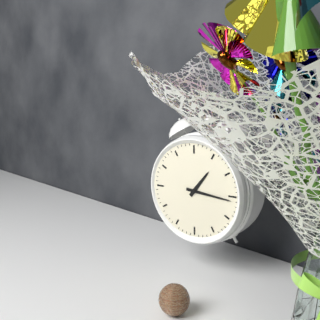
1h16
